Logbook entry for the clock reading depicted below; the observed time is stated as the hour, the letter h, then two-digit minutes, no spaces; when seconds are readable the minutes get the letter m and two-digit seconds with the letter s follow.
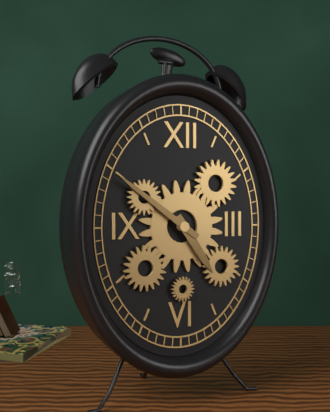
4h51
